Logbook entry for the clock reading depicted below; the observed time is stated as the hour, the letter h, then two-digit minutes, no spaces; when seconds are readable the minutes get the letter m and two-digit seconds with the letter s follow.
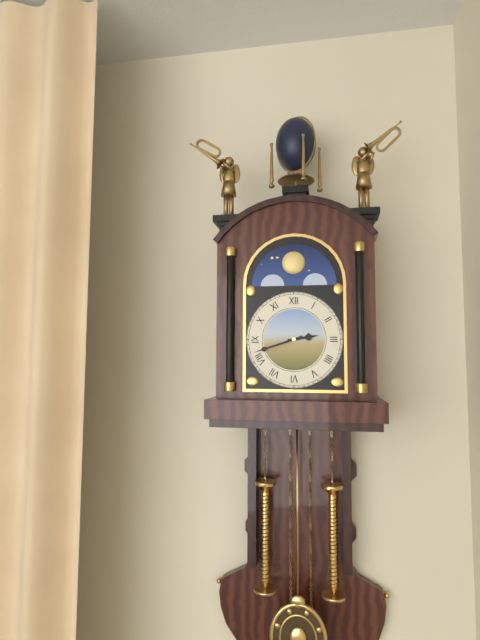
2h42
